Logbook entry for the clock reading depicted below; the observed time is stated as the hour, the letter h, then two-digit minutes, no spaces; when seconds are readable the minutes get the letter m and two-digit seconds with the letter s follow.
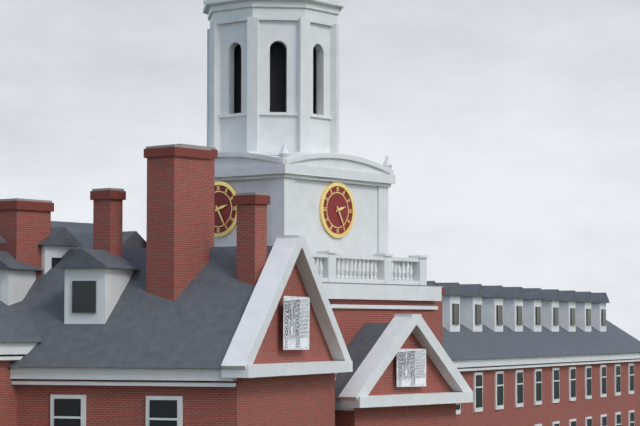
2h25
